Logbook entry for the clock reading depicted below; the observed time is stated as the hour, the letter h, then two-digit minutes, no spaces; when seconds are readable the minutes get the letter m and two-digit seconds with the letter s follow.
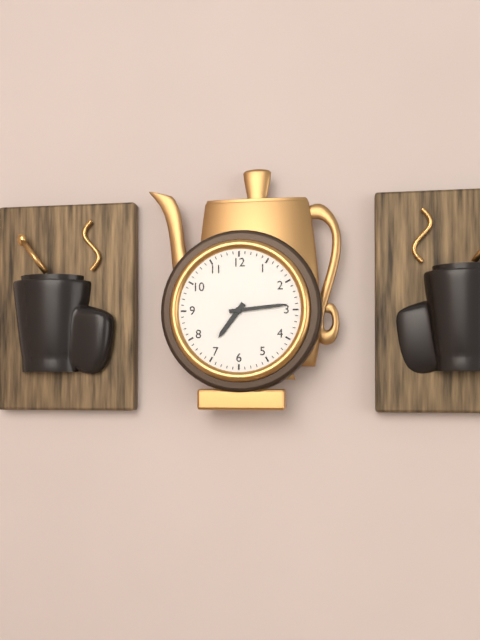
7h14
